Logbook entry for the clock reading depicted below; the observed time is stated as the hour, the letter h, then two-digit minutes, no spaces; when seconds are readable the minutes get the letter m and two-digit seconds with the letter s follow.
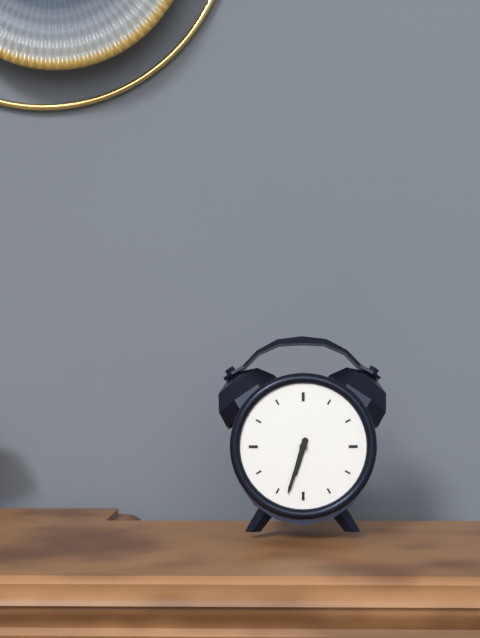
6h33
